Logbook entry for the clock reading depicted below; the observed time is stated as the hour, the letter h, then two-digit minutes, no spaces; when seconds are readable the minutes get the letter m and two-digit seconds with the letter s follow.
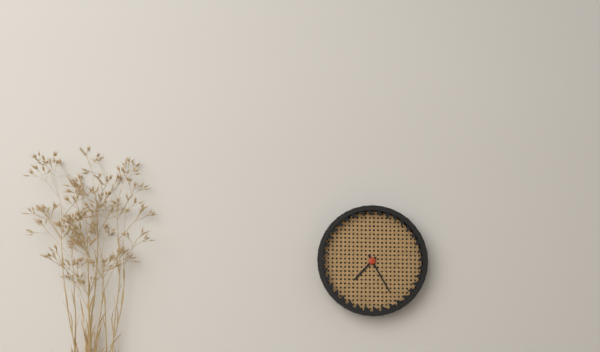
7h25
